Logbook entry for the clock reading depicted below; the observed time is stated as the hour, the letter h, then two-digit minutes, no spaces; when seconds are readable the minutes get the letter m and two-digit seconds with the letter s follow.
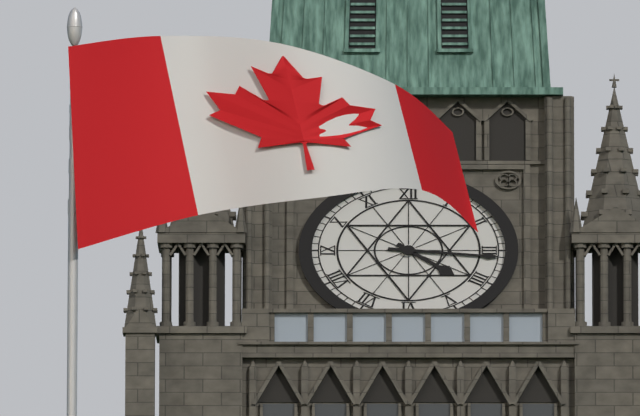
4h16
